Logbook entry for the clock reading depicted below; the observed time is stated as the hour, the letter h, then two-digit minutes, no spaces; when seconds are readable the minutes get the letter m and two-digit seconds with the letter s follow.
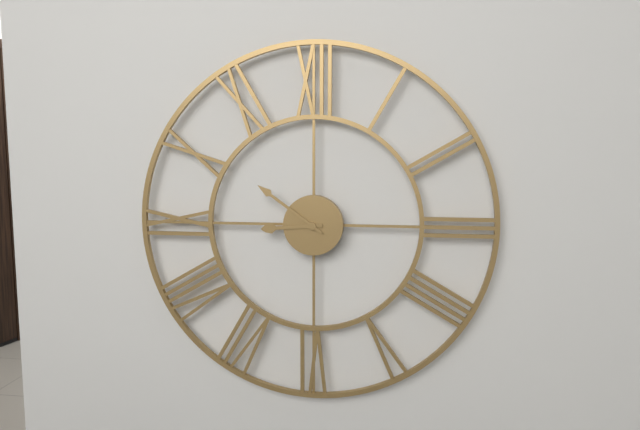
8h51
